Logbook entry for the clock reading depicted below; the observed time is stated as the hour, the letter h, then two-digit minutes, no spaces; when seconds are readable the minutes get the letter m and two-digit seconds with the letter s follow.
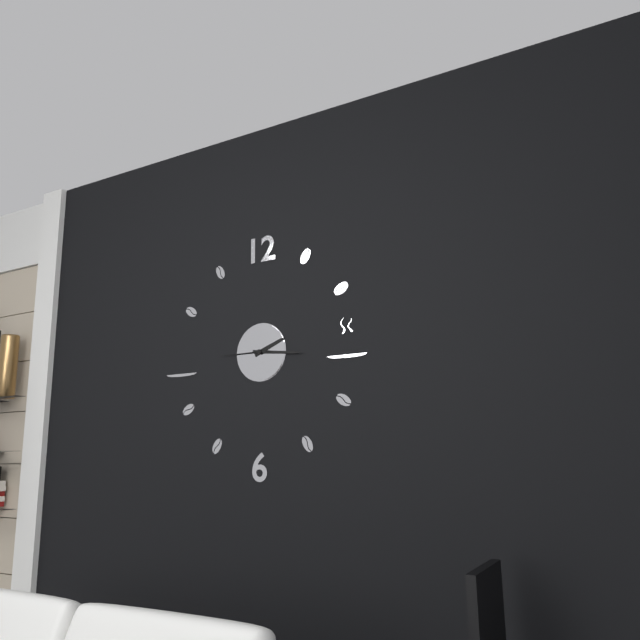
2h16
